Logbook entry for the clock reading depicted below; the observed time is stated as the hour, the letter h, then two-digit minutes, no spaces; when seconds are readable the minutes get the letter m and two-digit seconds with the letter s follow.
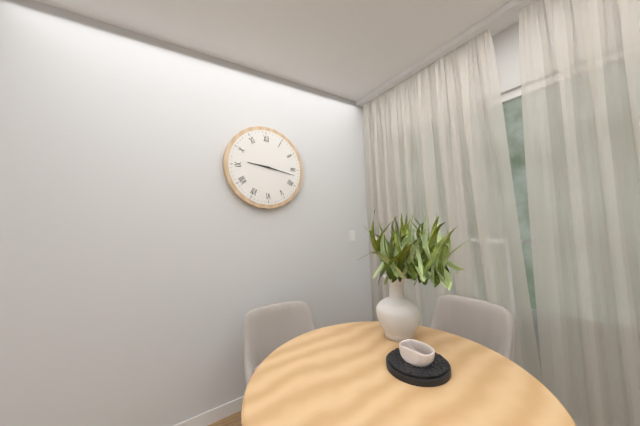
9h17
